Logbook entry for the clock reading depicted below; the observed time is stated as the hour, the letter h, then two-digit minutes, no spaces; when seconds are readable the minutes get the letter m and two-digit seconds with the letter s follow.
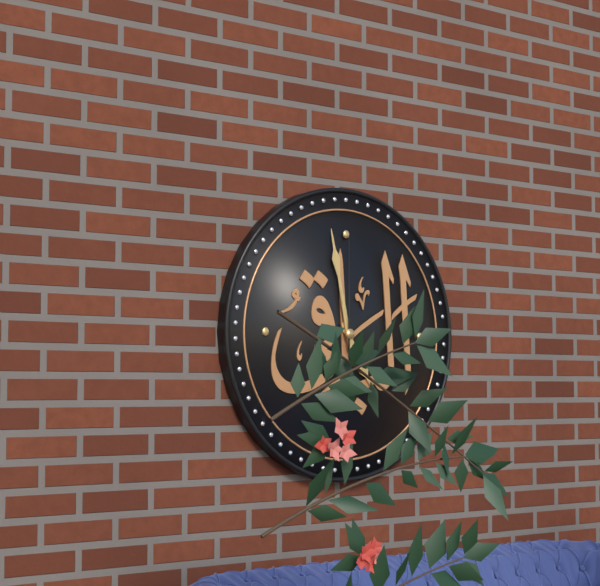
4h58m00s
